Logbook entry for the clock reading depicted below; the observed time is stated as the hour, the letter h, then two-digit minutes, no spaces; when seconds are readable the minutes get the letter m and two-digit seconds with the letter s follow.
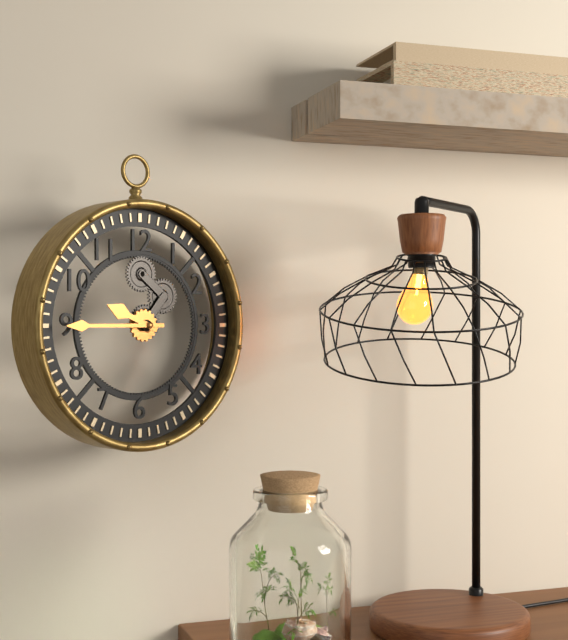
9h45
